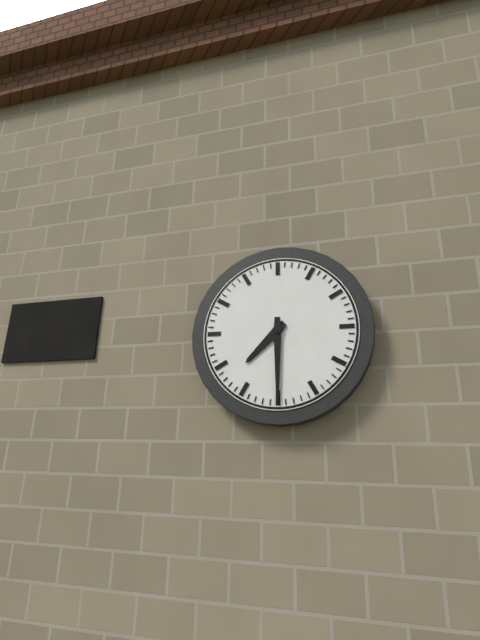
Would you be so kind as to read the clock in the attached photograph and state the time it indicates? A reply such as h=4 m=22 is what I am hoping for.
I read h=7 m=30
